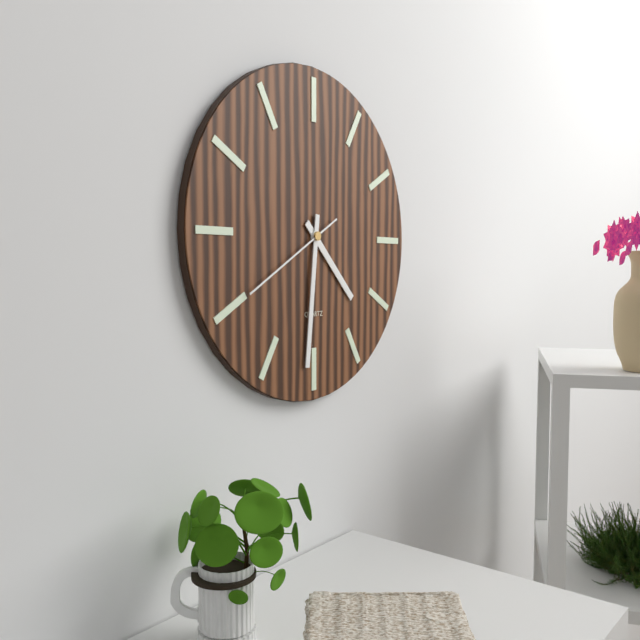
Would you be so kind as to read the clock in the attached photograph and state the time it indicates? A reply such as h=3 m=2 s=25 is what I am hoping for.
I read h=4 m=31 s=40
